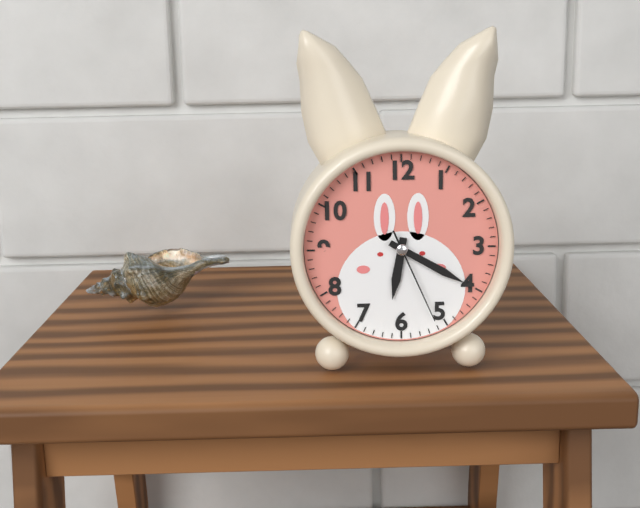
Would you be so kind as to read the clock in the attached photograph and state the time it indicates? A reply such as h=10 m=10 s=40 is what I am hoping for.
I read h=6 m=20 s=26
